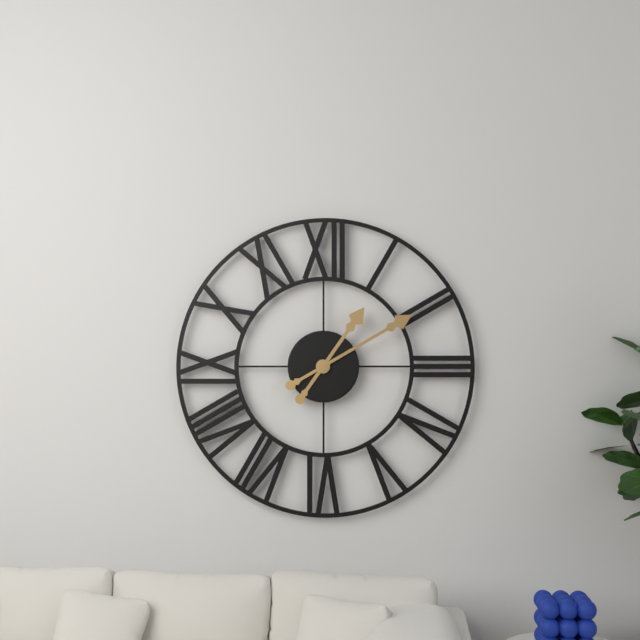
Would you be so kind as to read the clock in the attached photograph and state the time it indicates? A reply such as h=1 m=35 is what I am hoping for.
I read h=1 m=10
